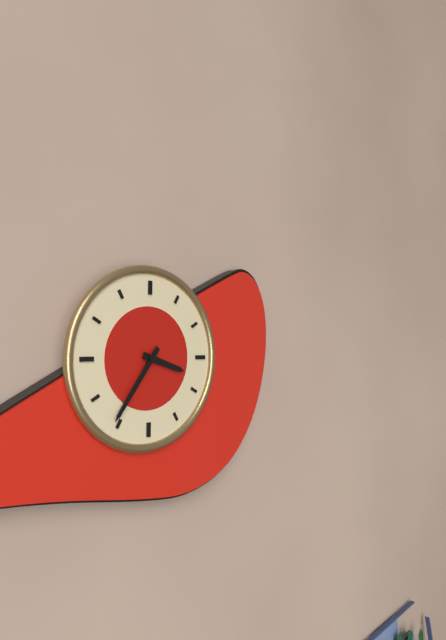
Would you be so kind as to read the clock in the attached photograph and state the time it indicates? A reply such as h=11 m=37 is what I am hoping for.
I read h=3 m=36
